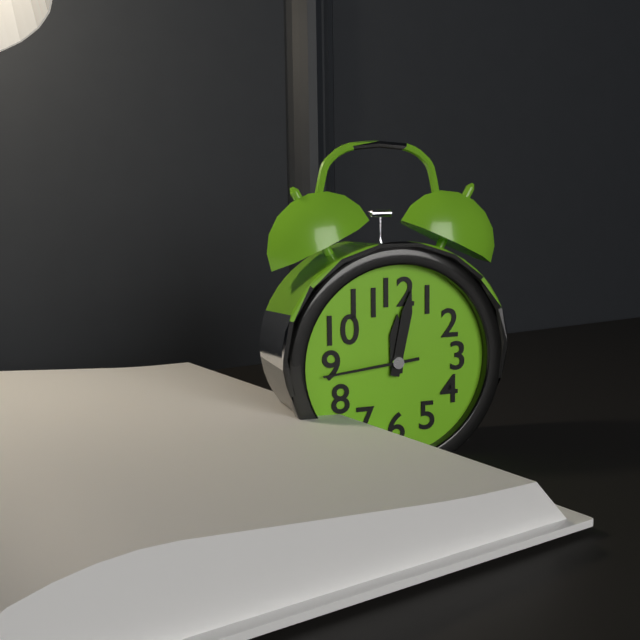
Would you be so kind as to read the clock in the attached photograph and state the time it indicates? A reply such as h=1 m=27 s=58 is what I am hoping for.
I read h=12 m=2 s=44
